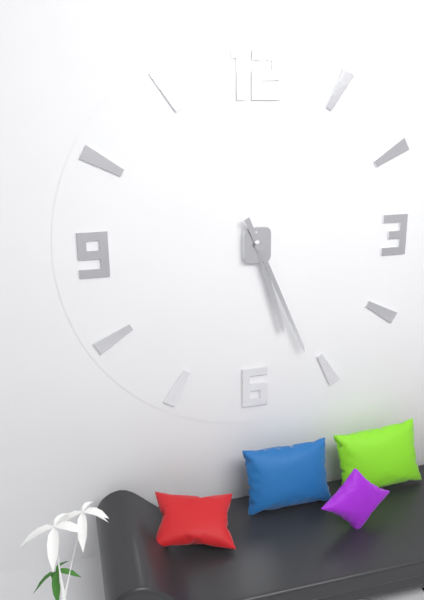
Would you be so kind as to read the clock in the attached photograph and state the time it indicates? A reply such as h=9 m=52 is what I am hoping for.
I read h=5 m=26
